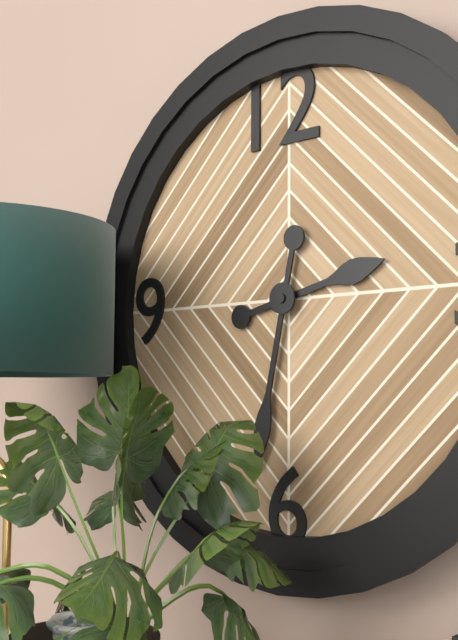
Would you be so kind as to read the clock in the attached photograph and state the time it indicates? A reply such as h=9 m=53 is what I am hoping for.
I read h=2 m=32
